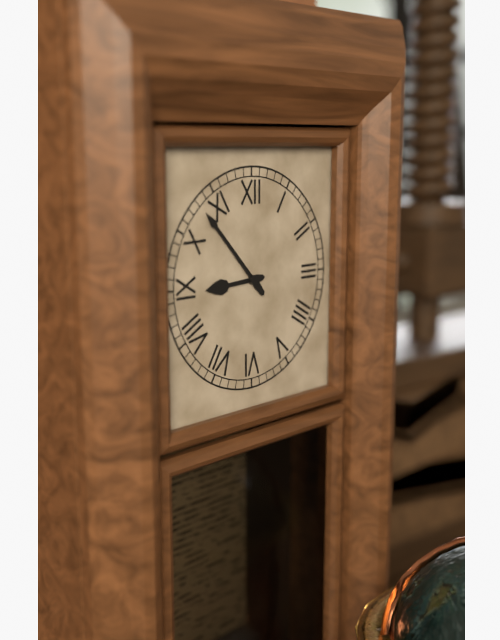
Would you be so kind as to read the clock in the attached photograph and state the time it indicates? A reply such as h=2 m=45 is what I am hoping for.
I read h=8 m=53
